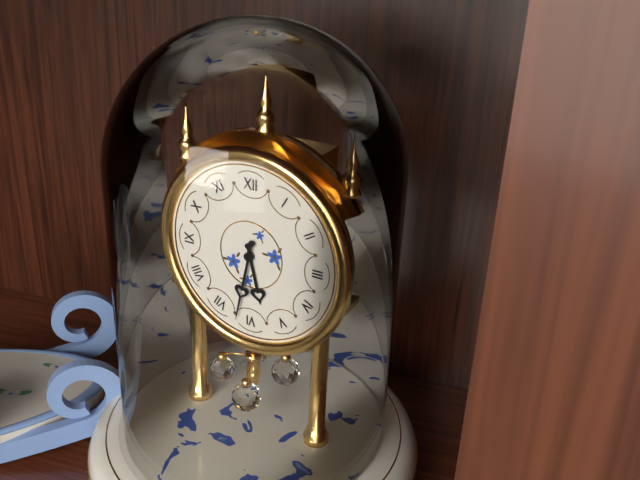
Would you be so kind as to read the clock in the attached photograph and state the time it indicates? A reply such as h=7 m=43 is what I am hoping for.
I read h=5 m=32
